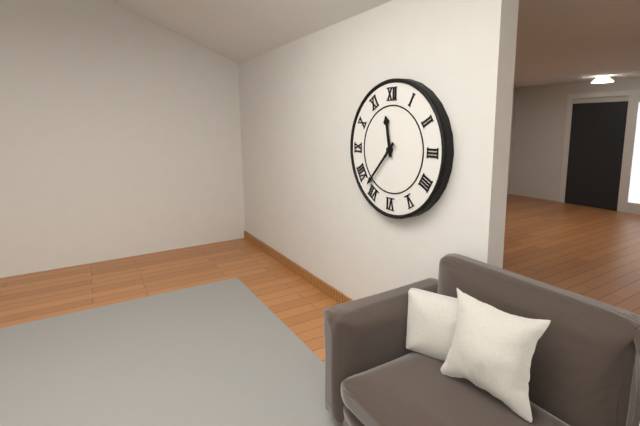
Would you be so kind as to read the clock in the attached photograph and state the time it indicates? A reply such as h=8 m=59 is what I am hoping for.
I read h=11 m=37
